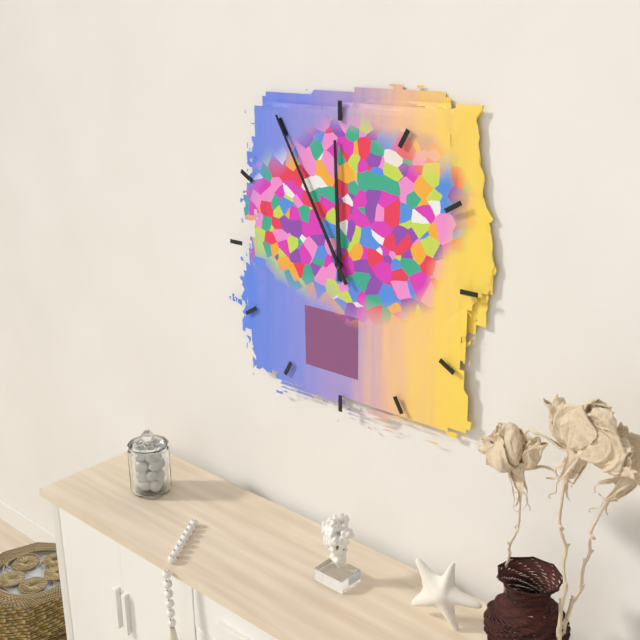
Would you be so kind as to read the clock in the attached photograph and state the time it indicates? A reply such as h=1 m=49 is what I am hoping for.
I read h=11 m=55
